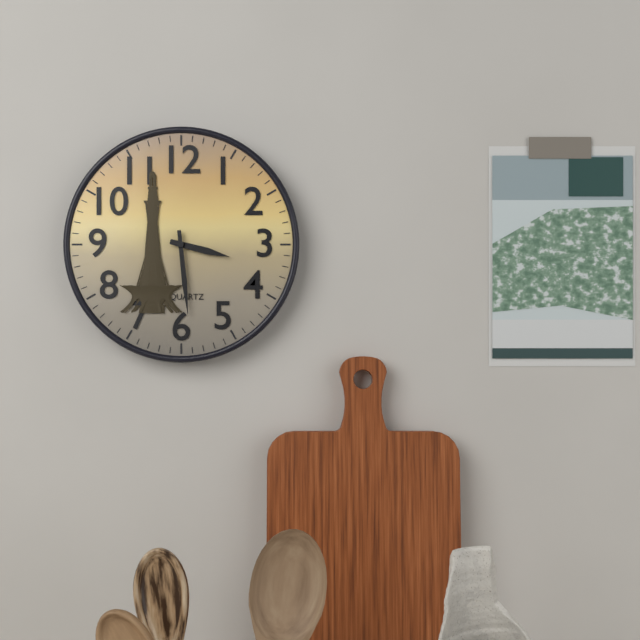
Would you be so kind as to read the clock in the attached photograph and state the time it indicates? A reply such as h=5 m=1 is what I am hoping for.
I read h=3 m=29
